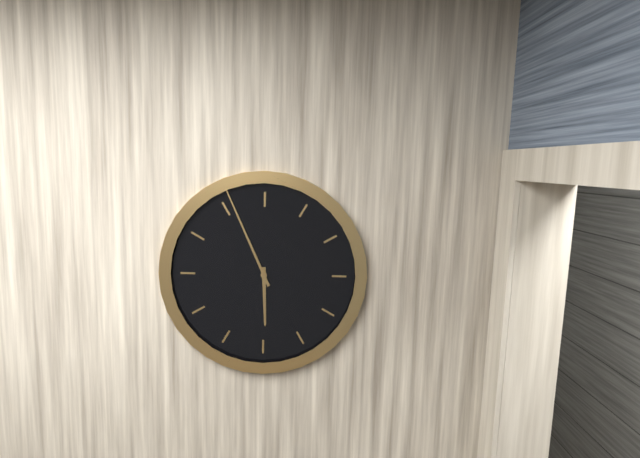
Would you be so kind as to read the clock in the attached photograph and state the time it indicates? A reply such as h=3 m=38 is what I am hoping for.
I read h=5 m=56
